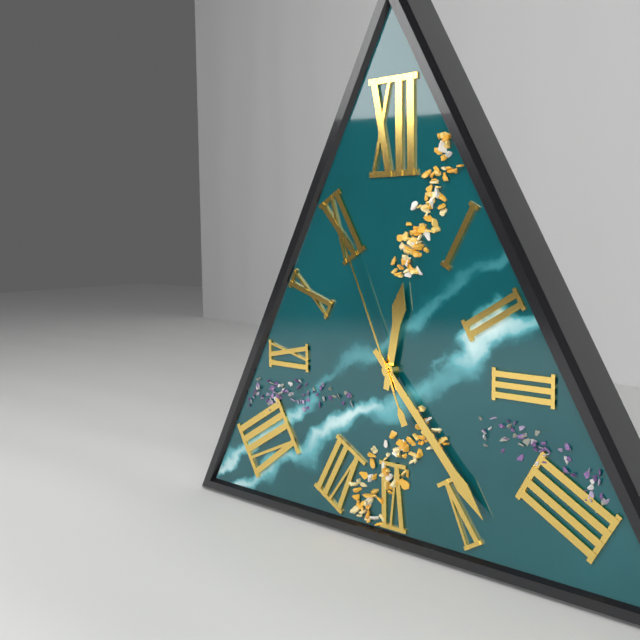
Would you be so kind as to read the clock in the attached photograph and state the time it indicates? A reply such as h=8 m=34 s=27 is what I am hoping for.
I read h=12 m=23 s=56
